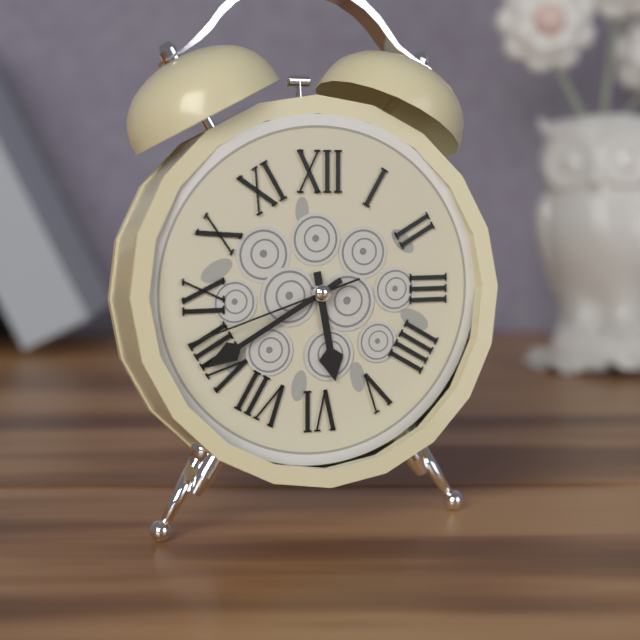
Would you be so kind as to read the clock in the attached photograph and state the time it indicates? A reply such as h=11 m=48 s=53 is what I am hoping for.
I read h=5 m=40 s=42
